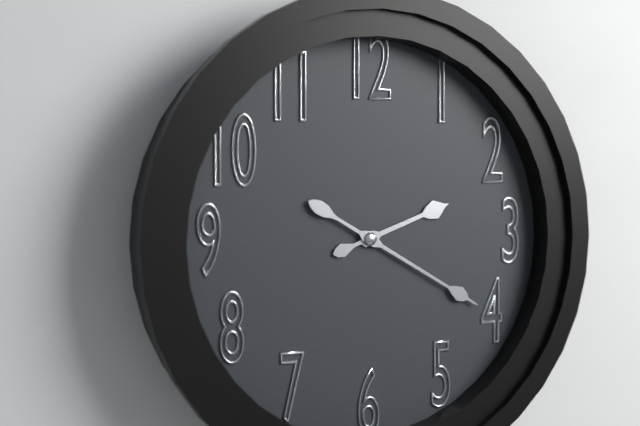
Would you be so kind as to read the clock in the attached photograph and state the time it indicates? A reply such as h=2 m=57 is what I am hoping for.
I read h=2 m=20
